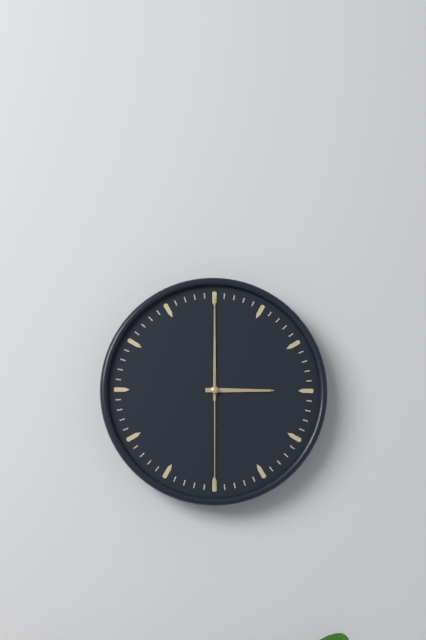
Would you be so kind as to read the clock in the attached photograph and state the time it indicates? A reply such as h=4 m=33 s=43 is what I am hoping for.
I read h=3 m=0 s=30
